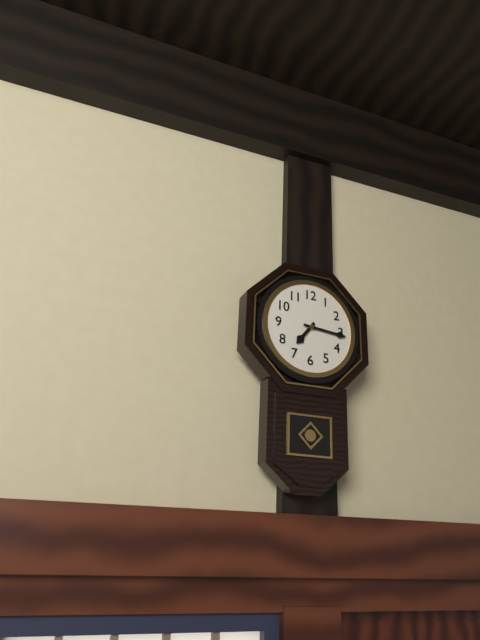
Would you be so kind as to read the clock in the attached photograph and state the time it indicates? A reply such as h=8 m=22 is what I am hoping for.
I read h=7 m=16
